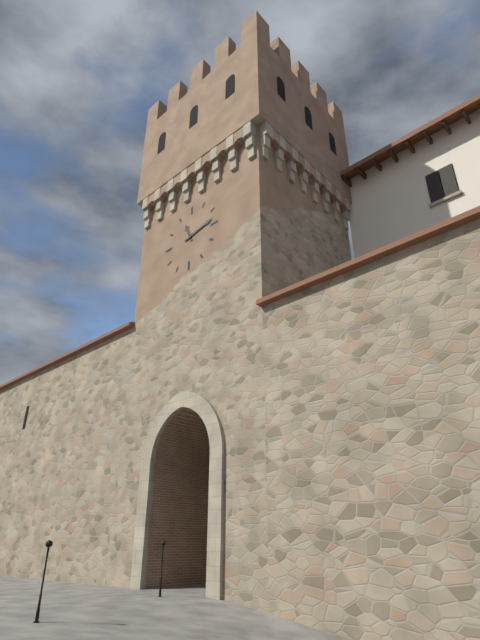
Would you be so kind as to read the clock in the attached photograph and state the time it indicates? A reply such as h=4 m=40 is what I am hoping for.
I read h=11 m=13
